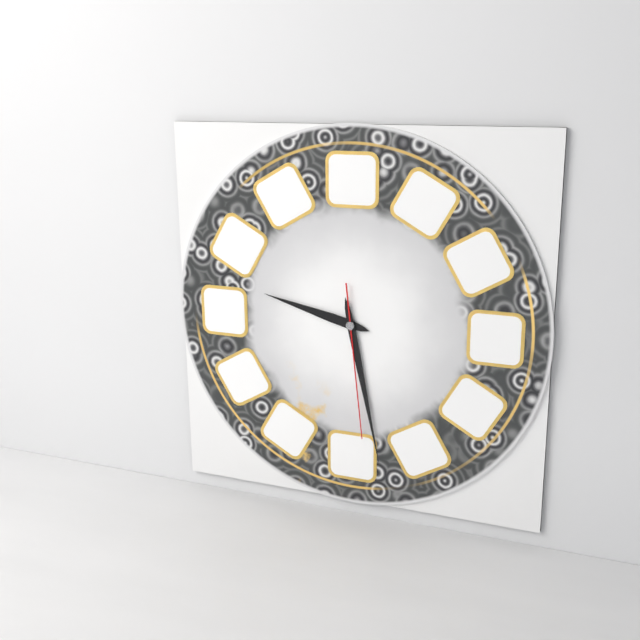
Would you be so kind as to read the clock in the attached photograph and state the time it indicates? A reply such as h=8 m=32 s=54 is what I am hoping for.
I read h=9 m=28 s=29
